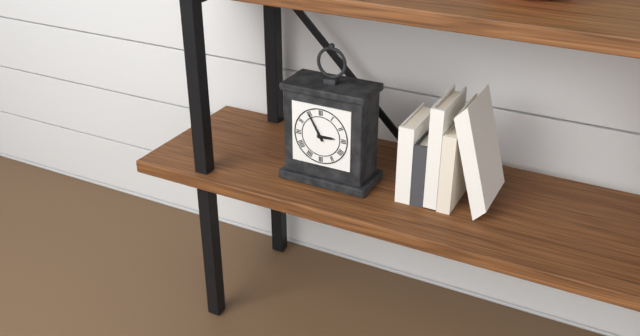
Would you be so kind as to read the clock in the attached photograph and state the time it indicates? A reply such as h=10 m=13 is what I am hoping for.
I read h=2 m=55
